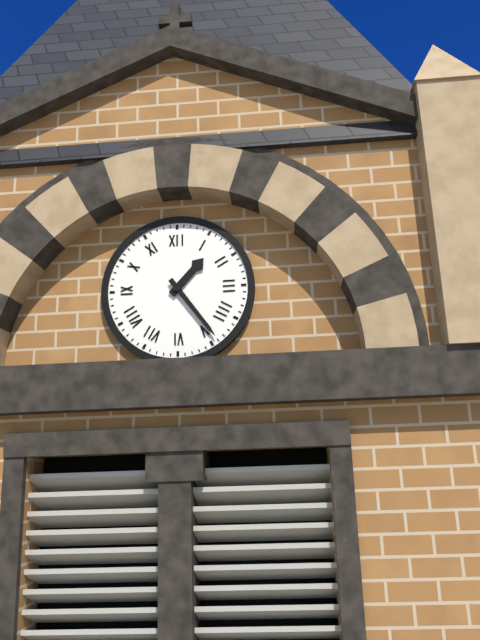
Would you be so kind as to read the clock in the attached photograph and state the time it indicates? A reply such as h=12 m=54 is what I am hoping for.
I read h=1 m=24
